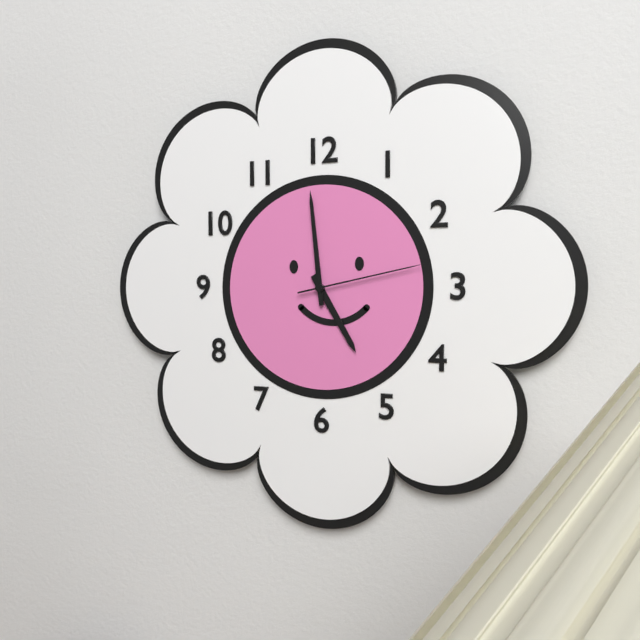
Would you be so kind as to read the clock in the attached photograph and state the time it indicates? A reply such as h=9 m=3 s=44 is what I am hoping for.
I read h=4 m=59 s=13
